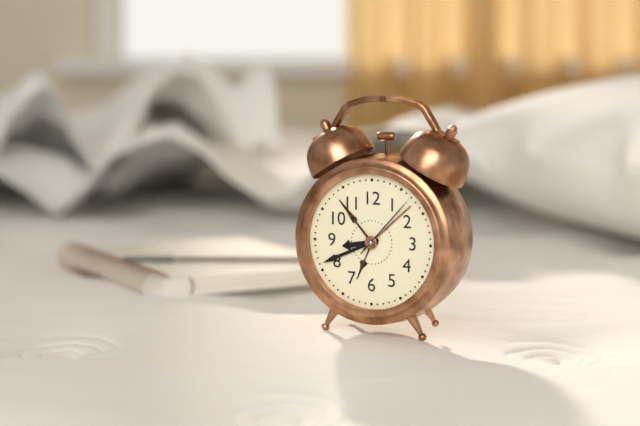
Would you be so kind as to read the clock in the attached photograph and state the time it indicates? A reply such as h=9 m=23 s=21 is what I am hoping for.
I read h=8 m=41 s=7
